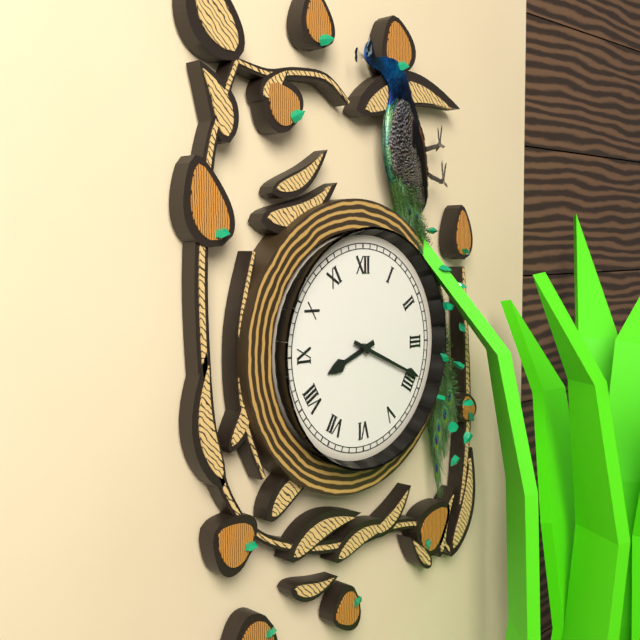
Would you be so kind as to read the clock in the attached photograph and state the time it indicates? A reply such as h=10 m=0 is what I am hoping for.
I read h=8 m=19
